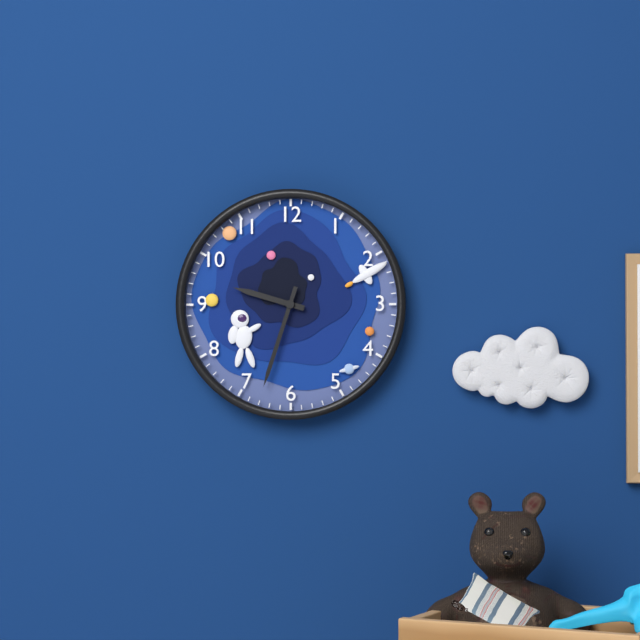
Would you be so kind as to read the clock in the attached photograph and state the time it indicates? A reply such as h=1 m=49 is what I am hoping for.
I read h=9 m=33
